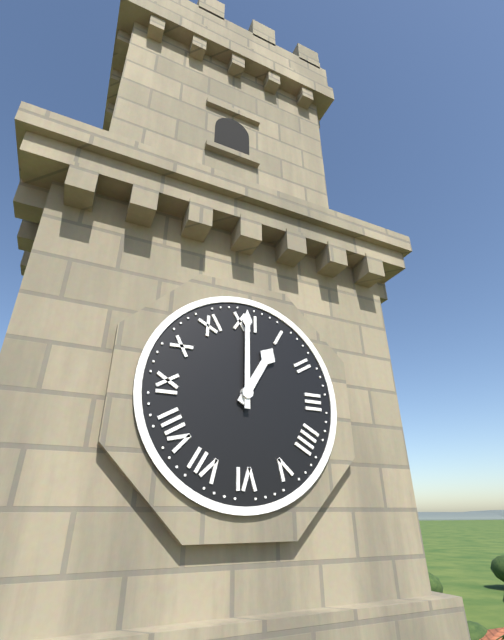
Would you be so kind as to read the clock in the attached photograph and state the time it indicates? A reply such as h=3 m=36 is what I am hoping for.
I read h=1 m=0
